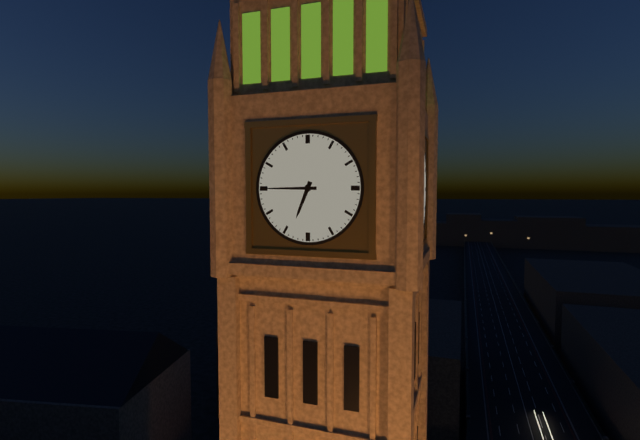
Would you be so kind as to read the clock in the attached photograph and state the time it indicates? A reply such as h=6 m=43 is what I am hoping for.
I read h=6 m=45
